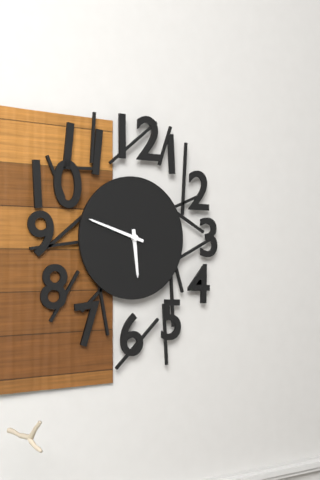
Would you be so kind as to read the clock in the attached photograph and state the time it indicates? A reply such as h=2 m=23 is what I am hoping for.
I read h=5 m=48
